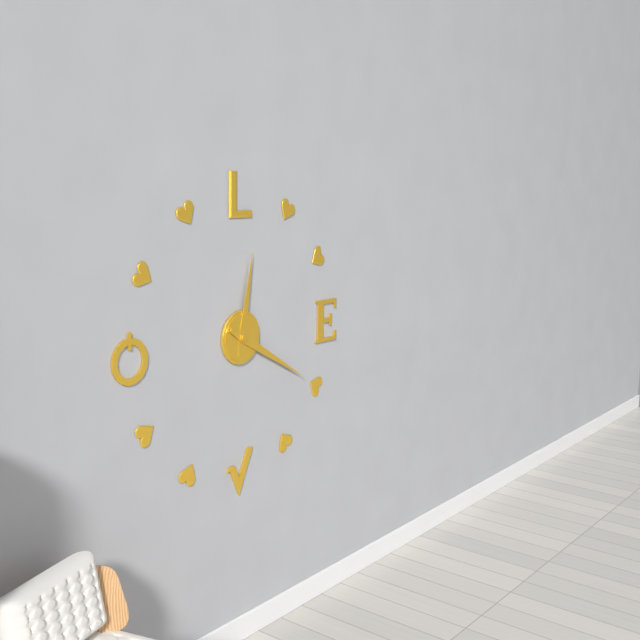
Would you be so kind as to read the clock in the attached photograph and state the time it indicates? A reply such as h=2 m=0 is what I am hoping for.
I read h=12 m=20
